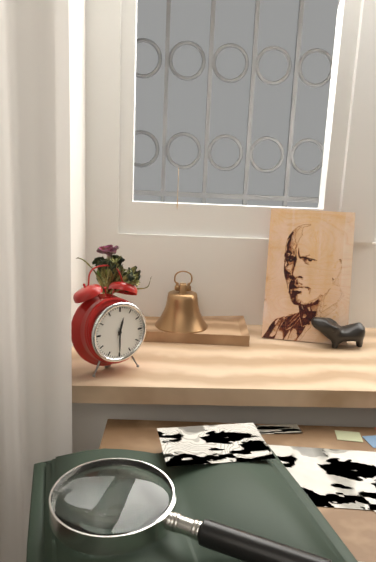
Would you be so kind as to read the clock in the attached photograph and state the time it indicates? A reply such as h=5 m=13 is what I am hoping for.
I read h=12 m=30
